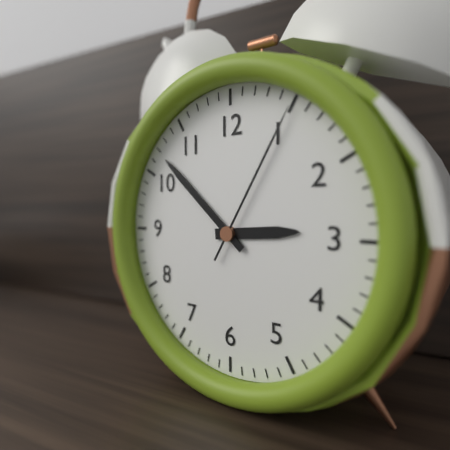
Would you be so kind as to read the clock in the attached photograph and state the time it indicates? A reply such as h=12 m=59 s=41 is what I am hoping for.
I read h=2 m=52 s=5
